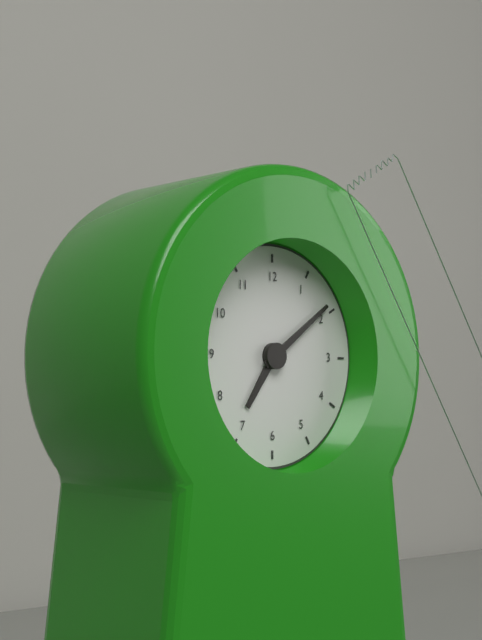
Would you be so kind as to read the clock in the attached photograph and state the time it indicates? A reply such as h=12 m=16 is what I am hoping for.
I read h=7 m=9
